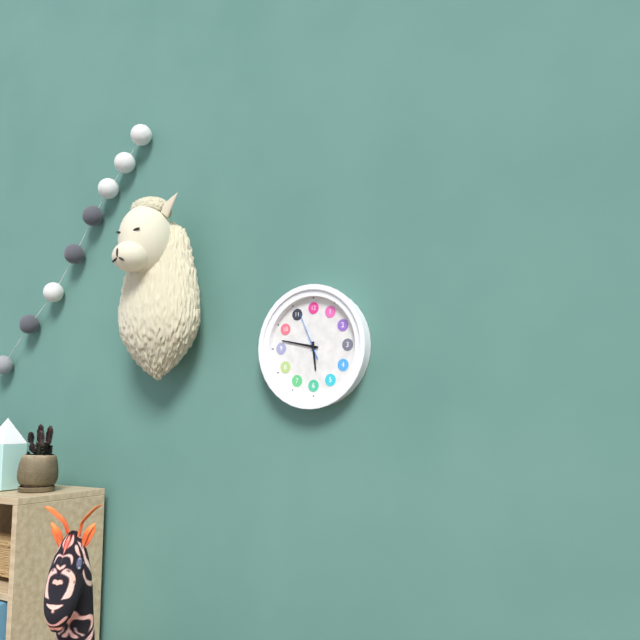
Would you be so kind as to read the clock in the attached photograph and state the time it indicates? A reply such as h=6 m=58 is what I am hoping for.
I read h=5 m=47
